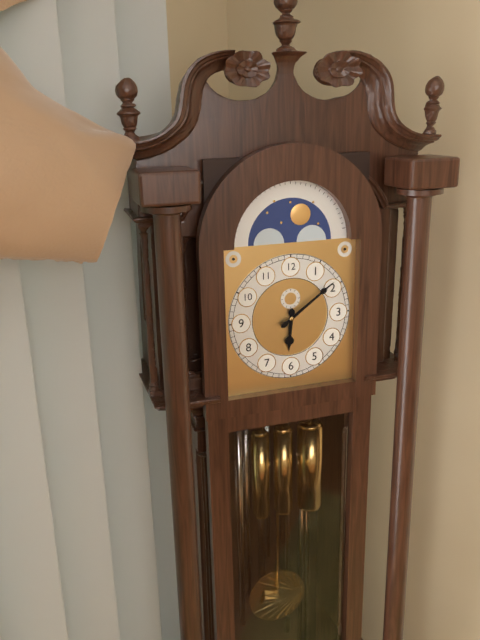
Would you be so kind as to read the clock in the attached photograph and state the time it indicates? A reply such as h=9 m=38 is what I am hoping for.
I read h=6 m=9
